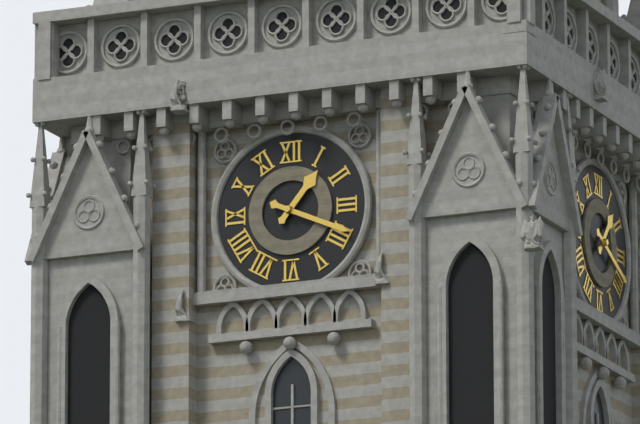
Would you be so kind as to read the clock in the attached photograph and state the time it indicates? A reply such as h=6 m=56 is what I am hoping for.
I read h=1 m=19
